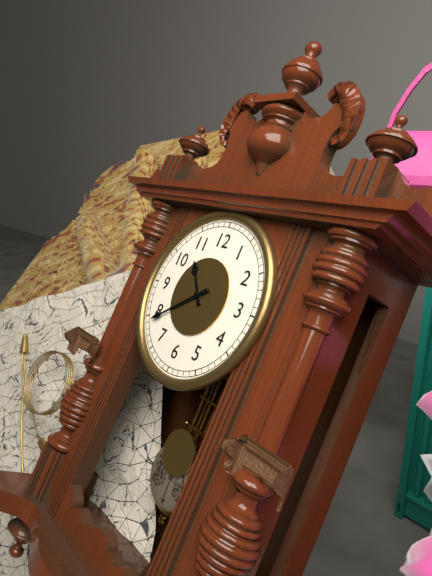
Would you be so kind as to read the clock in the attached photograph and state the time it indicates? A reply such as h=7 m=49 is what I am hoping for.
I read h=10 m=39
